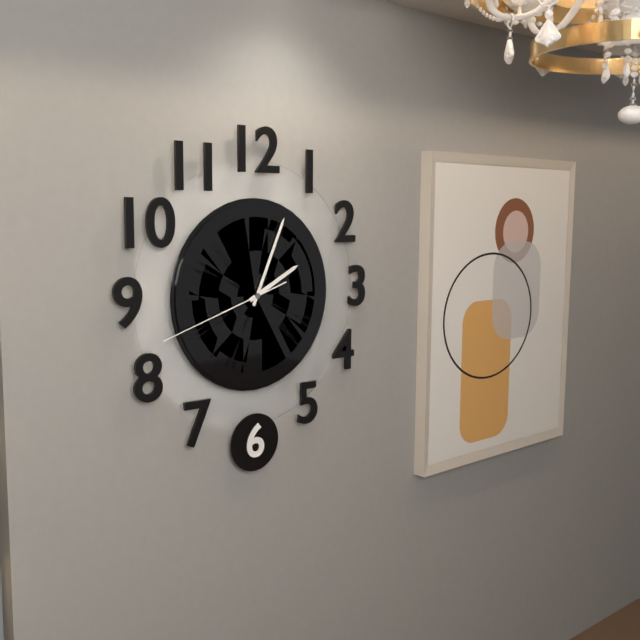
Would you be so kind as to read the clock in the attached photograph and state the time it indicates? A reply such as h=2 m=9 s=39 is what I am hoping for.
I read h=2 m=4 s=42
